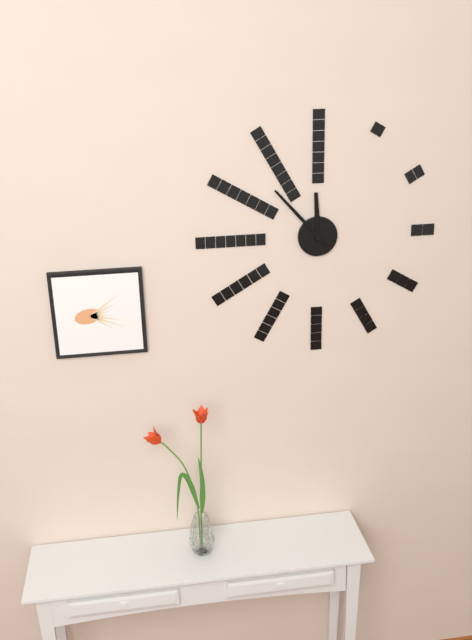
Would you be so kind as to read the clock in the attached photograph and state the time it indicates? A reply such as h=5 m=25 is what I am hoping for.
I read h=11 m=53
